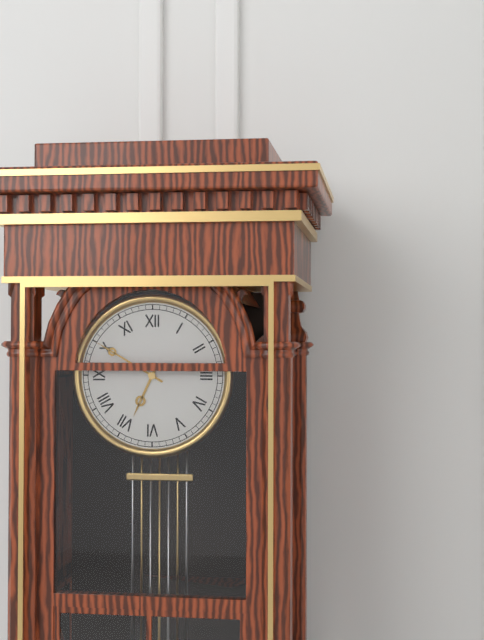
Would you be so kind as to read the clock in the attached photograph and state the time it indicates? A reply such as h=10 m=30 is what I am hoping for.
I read h=6 m=50
